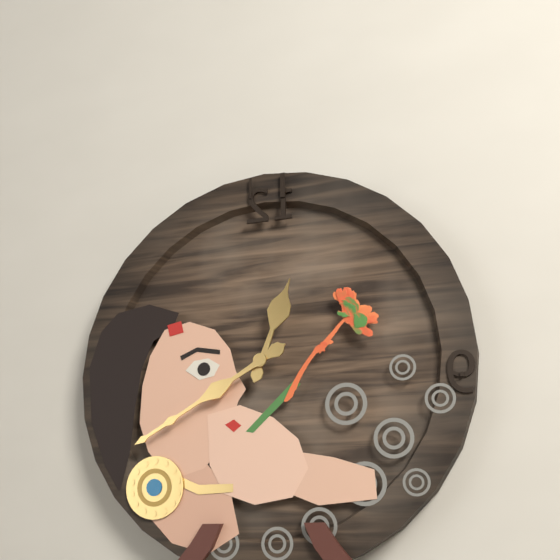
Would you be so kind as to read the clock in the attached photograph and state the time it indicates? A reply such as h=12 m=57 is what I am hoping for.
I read h=12 m=40
